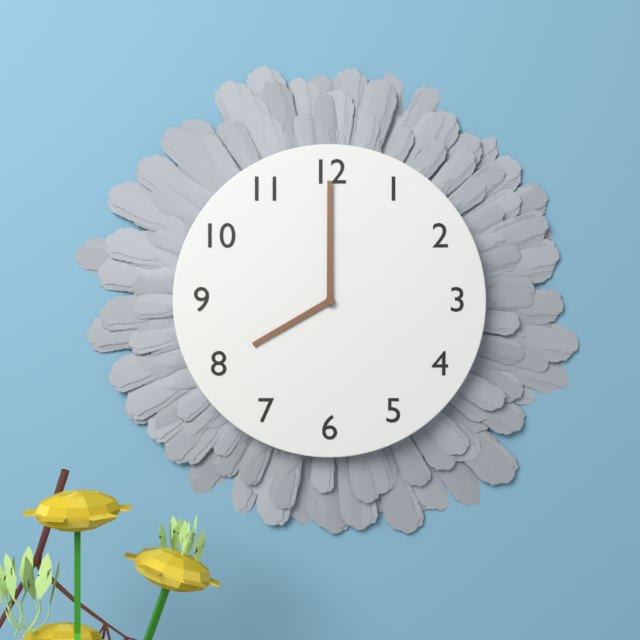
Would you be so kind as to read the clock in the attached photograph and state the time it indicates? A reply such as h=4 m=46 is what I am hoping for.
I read h=8 m=0
